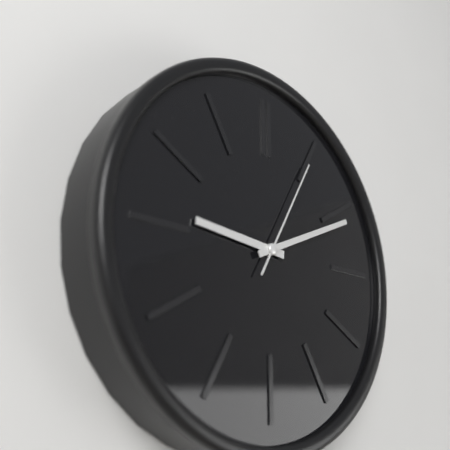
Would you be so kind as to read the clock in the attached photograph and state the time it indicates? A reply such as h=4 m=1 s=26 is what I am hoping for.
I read h=9 m=11 s=5
